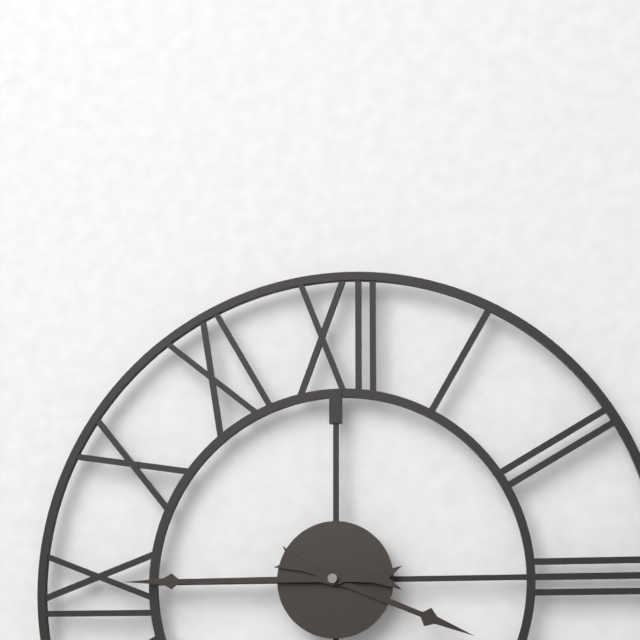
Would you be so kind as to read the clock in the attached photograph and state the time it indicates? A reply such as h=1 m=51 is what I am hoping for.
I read h=3 m=45
